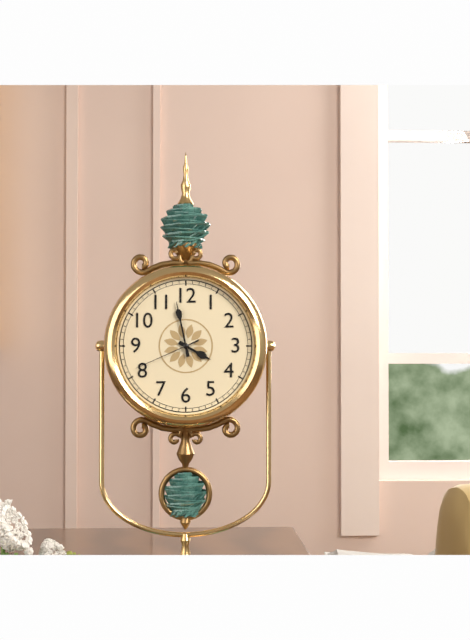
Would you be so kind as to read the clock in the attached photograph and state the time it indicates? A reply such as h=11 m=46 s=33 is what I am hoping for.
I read h=3 m=58 s=41
